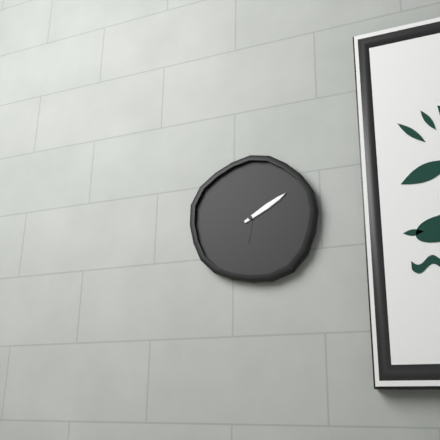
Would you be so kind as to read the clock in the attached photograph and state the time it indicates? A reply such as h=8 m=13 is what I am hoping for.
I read h=6 m=10
